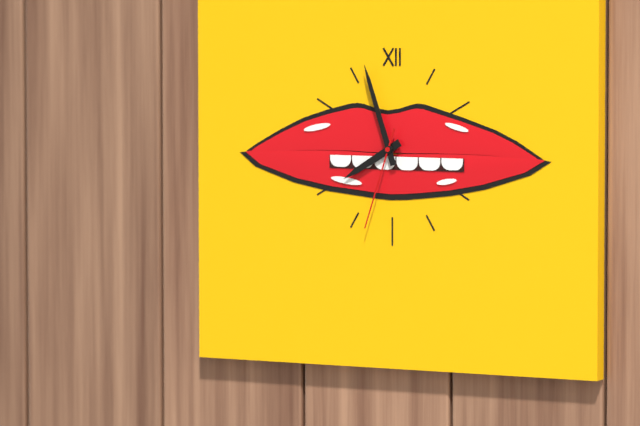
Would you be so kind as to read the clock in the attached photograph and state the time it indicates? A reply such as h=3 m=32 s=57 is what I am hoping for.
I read h=7 m=57 s=33
